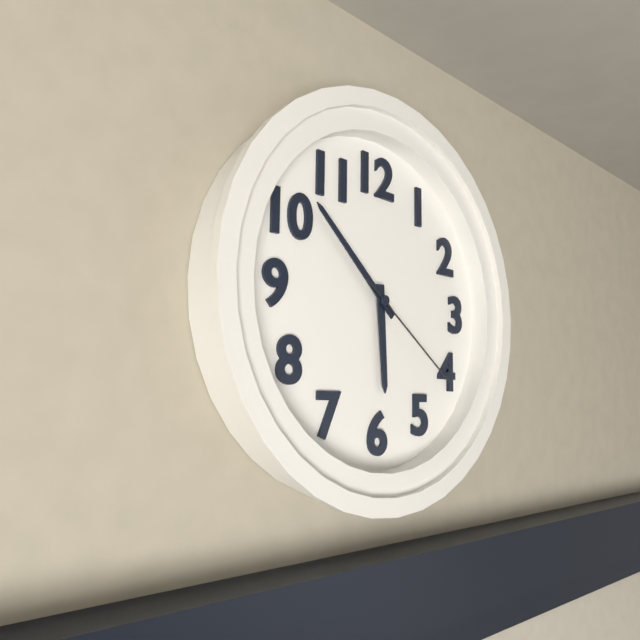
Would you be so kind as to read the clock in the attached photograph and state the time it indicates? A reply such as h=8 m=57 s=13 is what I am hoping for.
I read h=5 m=52 s=21
